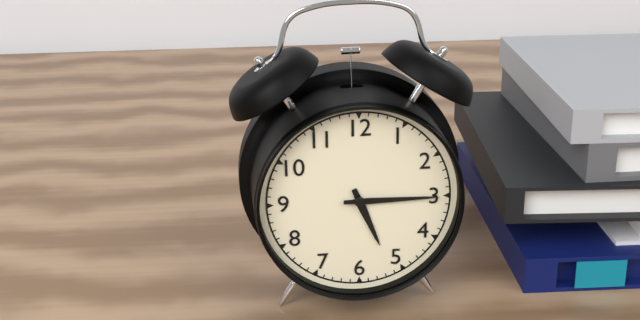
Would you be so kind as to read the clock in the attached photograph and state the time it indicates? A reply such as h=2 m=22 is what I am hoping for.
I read h=5 m=15
